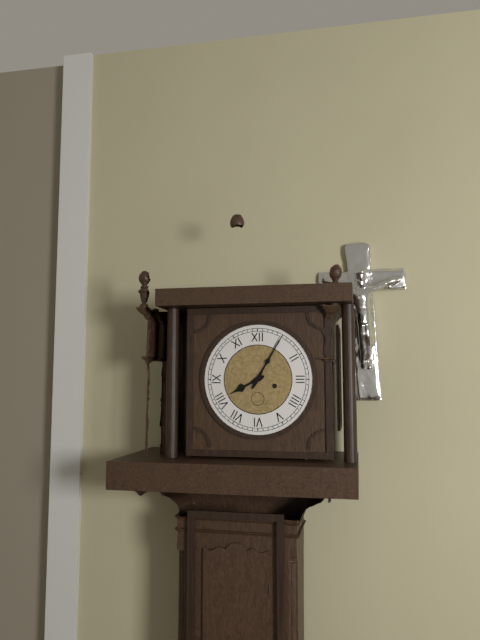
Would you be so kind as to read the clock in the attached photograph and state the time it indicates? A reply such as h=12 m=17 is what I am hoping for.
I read h=8 m=5
